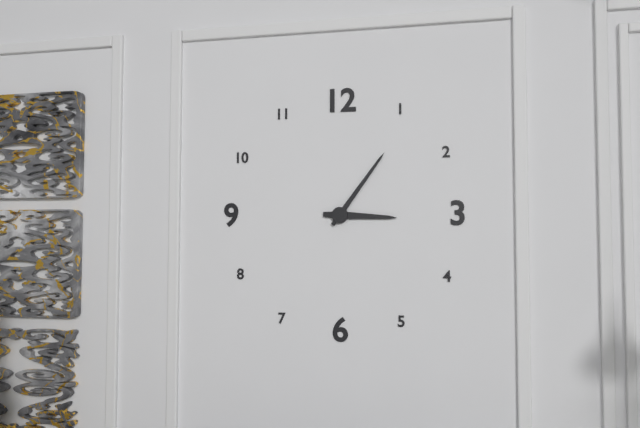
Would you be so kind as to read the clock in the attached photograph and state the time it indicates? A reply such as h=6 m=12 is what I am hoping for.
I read h=3 m=6
